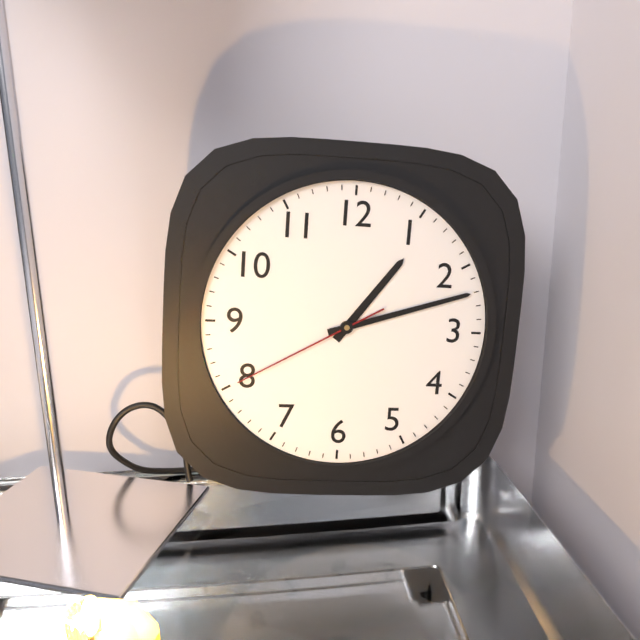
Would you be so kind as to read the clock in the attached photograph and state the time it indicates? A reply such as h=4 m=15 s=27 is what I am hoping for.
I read h=1 m=12 s=40
